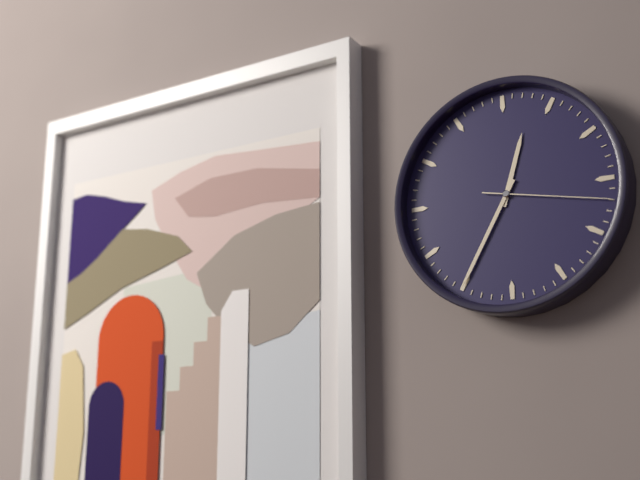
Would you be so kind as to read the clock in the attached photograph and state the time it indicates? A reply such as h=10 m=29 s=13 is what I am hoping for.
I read h=12 m=35 s=17
